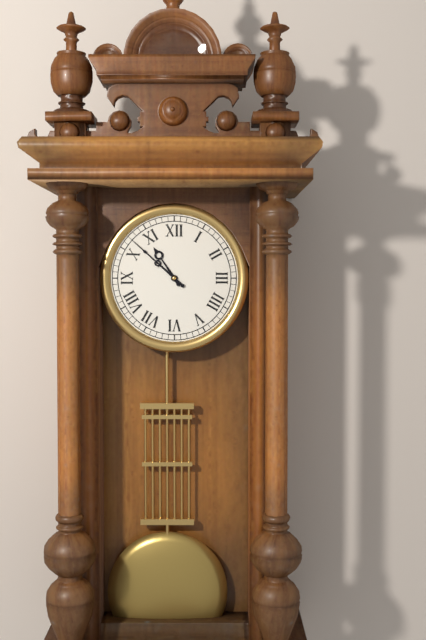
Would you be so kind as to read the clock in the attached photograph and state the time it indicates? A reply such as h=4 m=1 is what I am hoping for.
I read h=10 m=52
